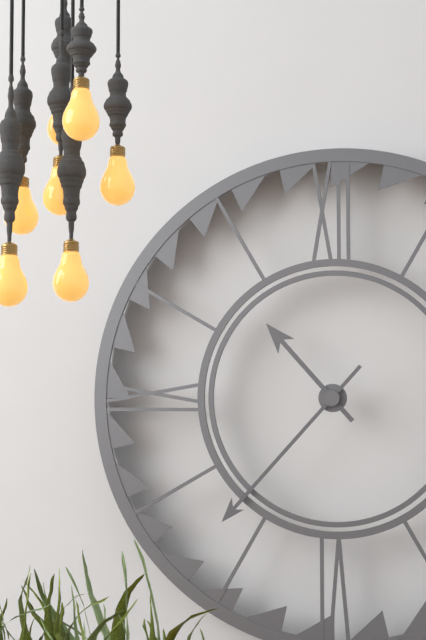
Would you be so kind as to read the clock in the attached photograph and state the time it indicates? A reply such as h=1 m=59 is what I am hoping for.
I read h=10 m=37
